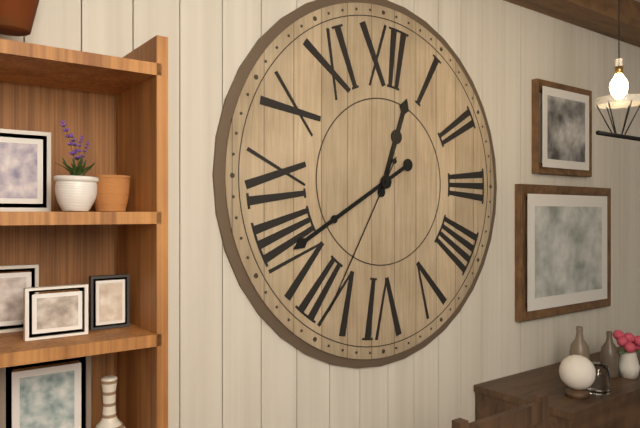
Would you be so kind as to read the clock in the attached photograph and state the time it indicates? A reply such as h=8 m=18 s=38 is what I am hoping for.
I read h=12 m=40 s=35
